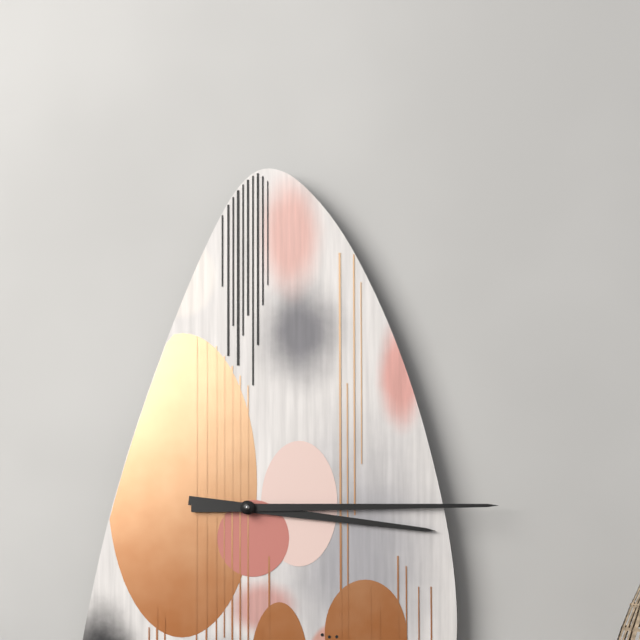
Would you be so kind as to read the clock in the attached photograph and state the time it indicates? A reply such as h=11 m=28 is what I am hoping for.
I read h=3 m=15
